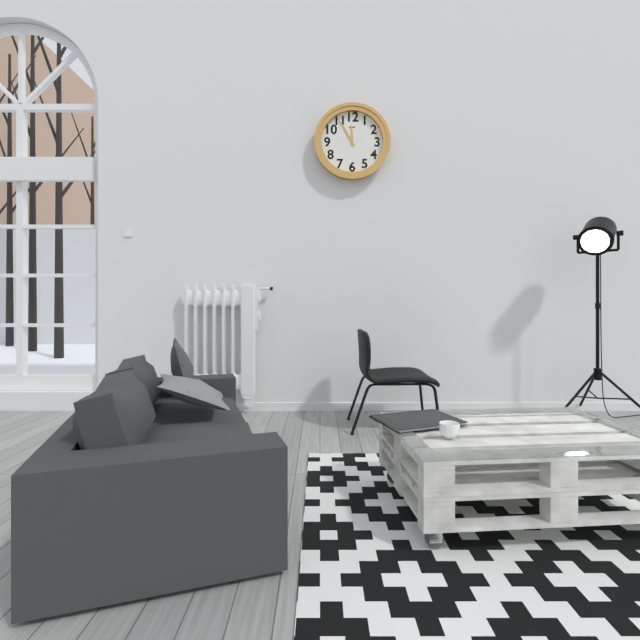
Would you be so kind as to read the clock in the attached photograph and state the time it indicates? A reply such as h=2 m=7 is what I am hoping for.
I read h=11 m=55
